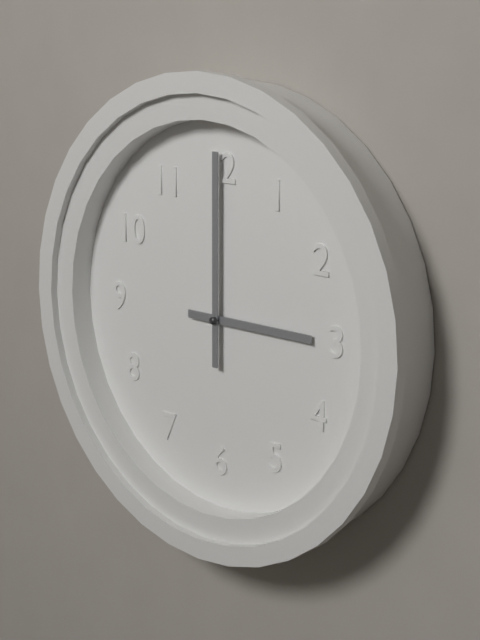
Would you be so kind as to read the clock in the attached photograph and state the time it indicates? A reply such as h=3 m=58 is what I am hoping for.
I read h=3 m=0
